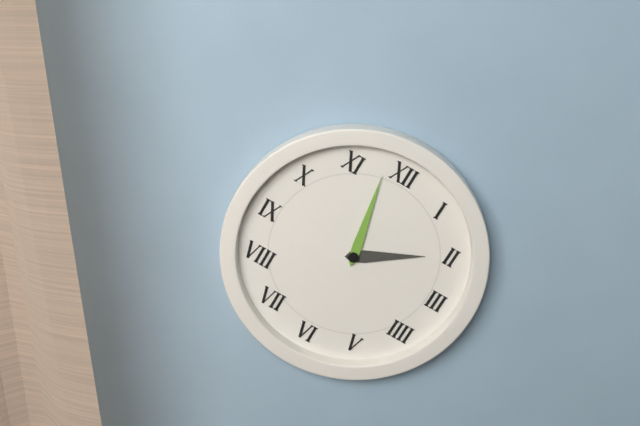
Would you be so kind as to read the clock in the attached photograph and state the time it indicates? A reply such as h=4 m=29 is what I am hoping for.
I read h=1 m=58
